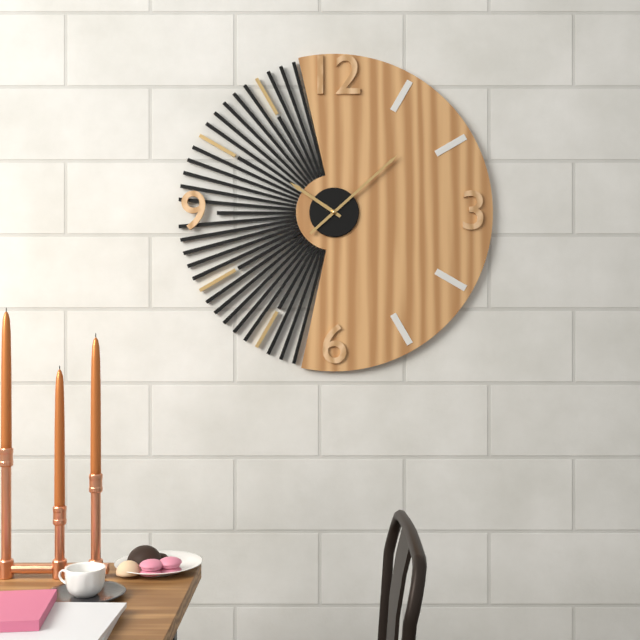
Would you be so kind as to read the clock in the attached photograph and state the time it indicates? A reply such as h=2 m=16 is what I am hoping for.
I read h=10 m=8
